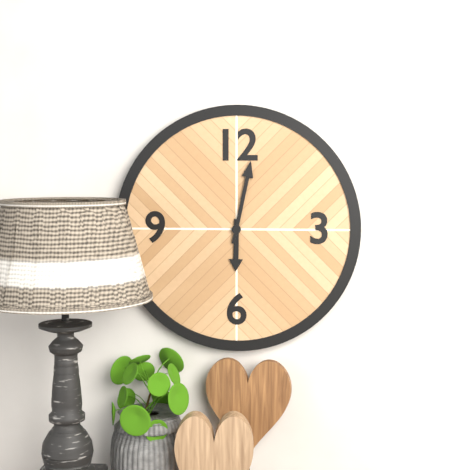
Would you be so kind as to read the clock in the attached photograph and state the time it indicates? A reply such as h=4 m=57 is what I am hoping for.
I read h=6 m=2
